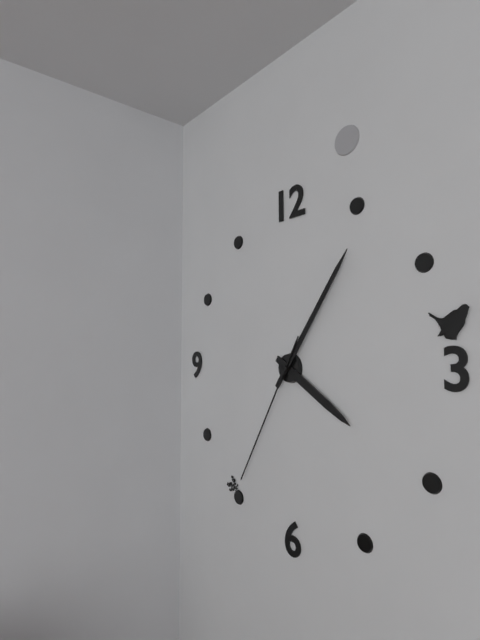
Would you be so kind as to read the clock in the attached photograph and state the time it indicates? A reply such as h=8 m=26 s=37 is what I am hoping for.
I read h=4 m=6 s=35
